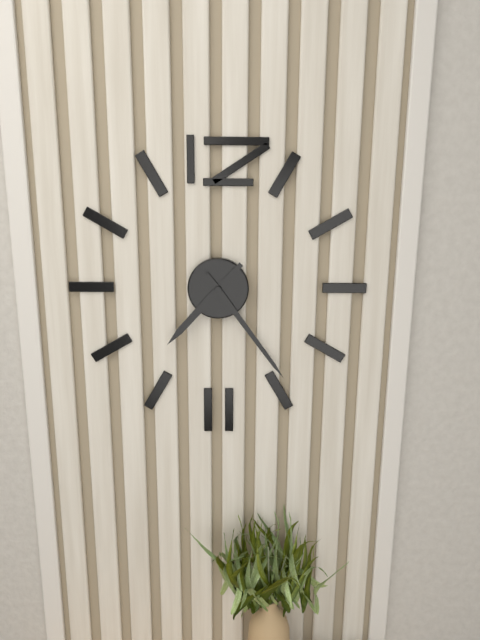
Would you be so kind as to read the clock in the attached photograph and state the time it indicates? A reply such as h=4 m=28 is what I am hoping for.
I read h=7 m=24
